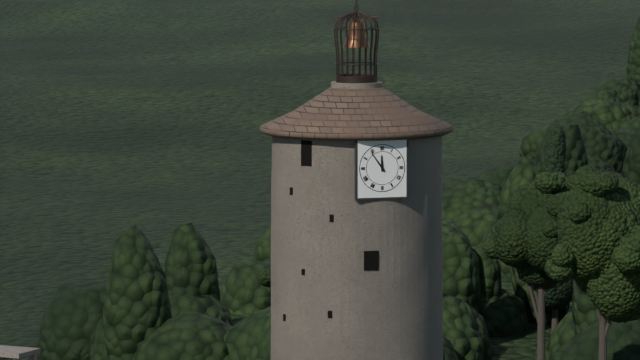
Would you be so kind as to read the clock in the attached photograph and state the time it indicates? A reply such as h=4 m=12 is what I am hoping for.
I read h=11 m=54
